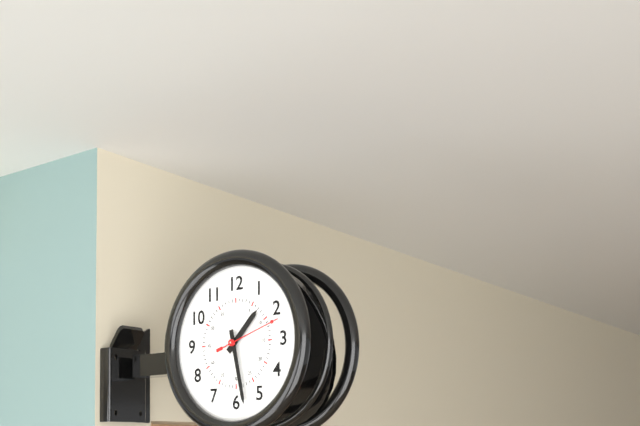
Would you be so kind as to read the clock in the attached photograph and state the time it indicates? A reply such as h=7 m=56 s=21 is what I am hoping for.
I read h=1 m=28 s=12
